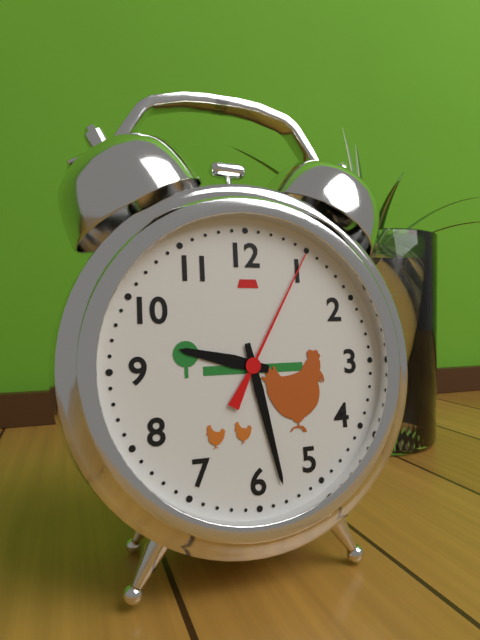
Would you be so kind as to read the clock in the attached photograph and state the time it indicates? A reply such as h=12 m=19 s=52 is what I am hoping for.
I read h=9 m=28 s=5
